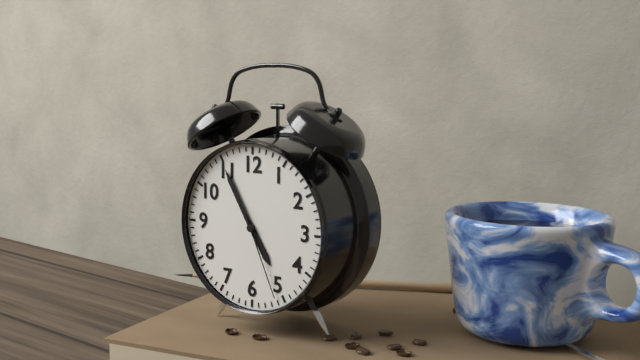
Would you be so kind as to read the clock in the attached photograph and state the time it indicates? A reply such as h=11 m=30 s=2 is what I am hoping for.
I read h=4 m=55 s=26
